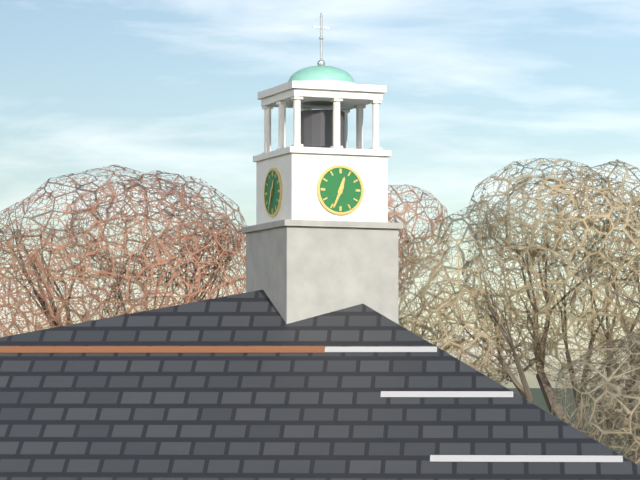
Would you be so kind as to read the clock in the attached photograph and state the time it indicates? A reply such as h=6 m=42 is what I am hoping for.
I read h=12 m=34
